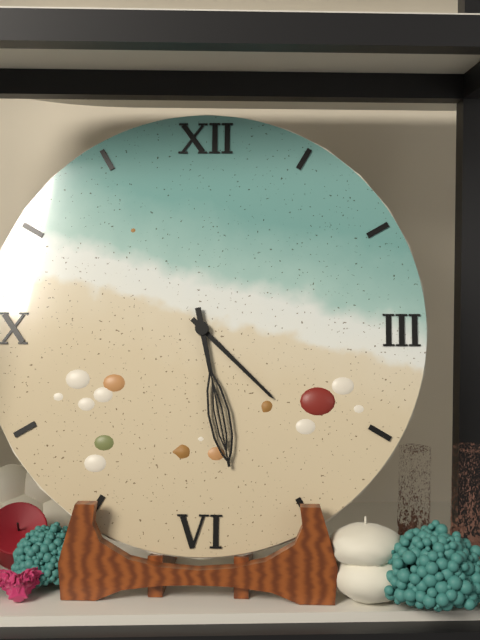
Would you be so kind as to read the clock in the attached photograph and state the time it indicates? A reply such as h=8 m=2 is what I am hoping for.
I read h=4 m=28
